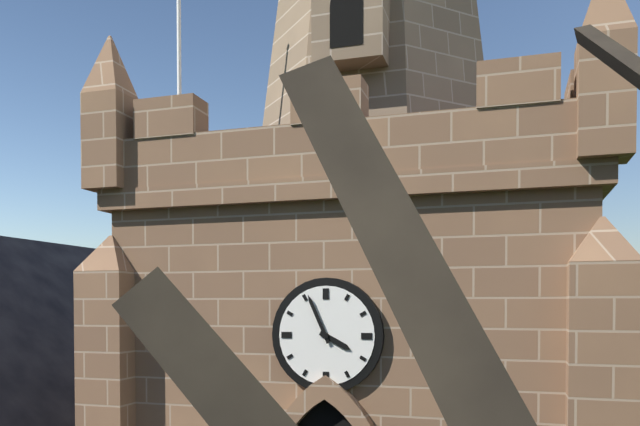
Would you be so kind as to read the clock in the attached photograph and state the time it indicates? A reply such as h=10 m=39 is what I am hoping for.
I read h=3 m=56
